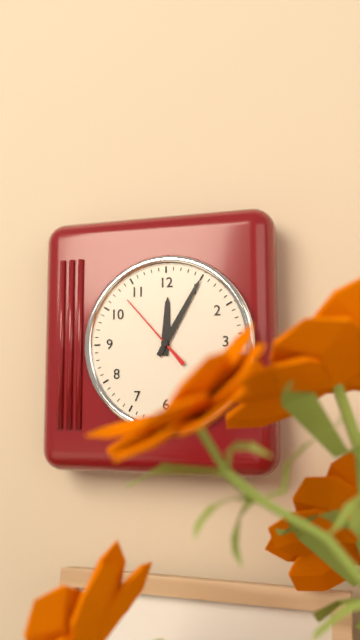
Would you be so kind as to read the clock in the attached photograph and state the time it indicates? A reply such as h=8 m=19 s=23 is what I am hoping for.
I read h=12 m=5 s=53
